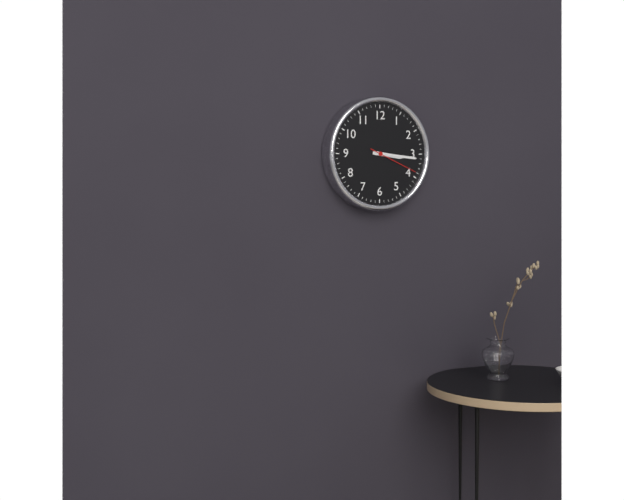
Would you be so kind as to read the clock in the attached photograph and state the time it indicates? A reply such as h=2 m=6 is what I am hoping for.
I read h=3 m=16
